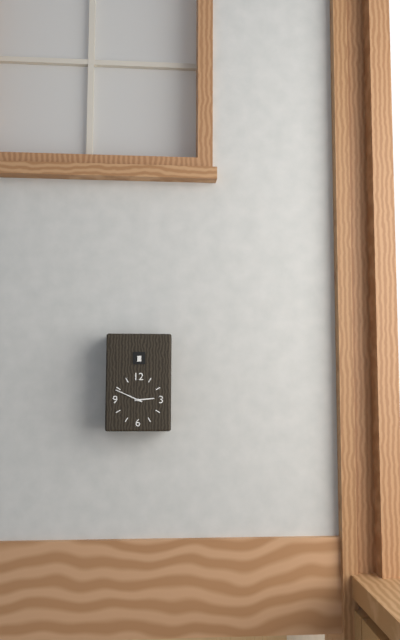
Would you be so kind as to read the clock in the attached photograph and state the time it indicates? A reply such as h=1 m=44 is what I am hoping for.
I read h=2 m=49
